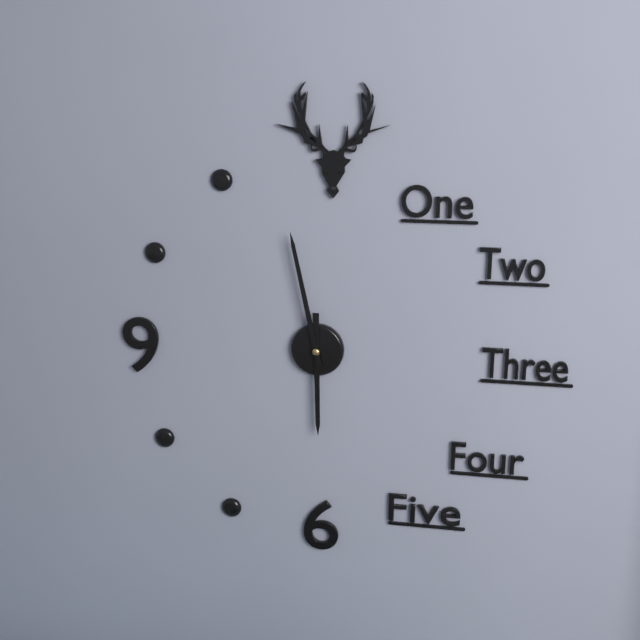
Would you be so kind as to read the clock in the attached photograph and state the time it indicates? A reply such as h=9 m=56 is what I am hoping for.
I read h=5 m=58
